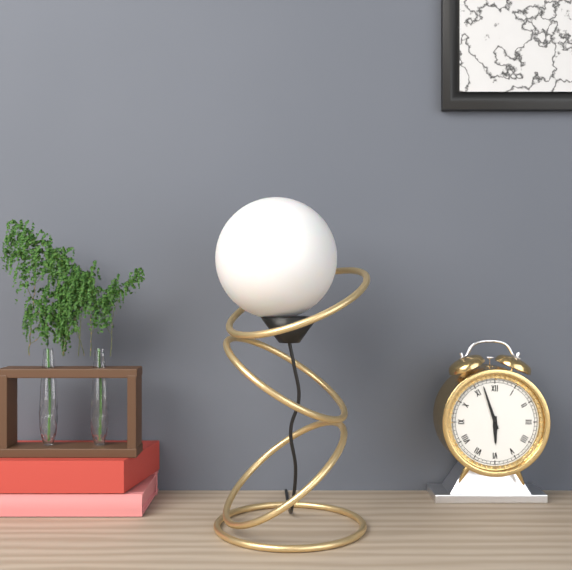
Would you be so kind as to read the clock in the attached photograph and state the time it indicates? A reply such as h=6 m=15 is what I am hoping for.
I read h=5 m=57
